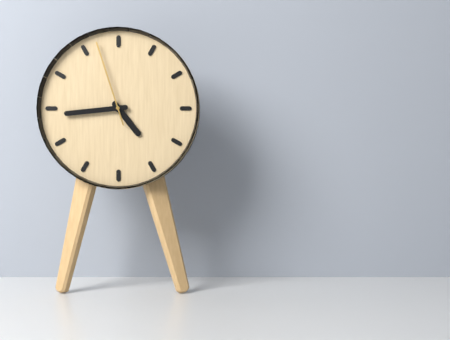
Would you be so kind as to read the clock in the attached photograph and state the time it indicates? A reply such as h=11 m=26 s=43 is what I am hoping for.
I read h=4 m=44 s=57
